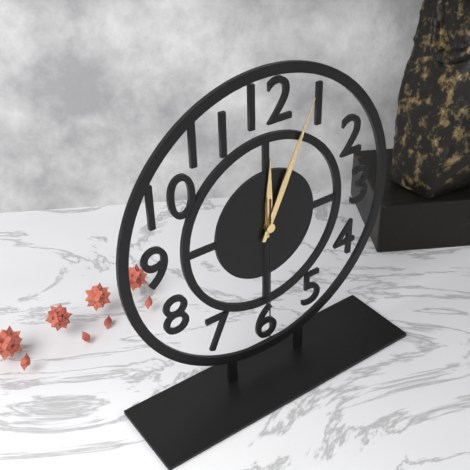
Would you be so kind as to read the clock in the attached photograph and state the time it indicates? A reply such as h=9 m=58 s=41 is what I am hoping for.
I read h=12 m=4 s=30
